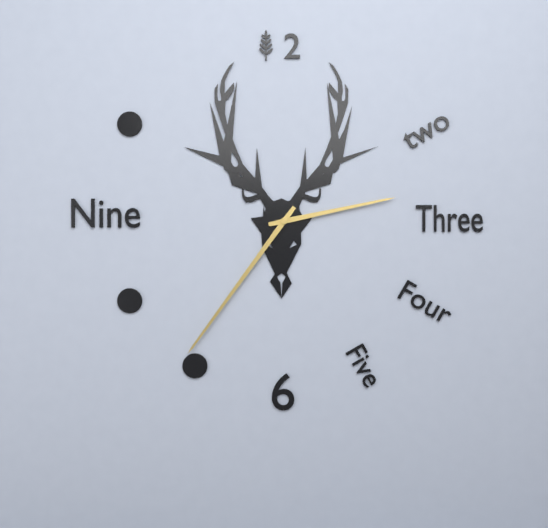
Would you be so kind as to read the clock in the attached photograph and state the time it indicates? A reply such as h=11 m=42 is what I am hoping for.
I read h=2 m=36
